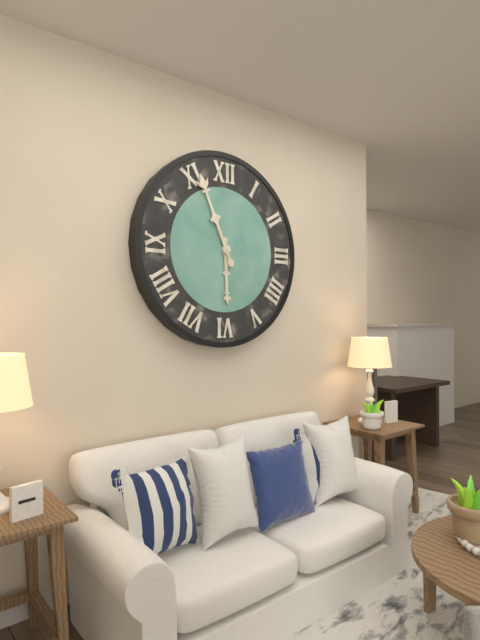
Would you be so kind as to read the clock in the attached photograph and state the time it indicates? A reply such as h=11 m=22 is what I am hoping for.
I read h=5 m=56
